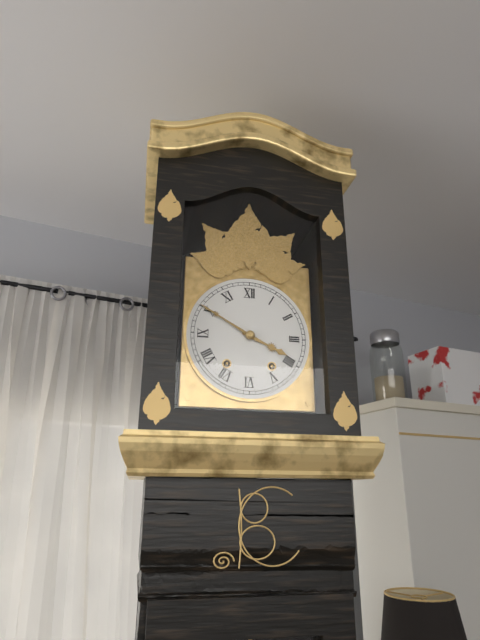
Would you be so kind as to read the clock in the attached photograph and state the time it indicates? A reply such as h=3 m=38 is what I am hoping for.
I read h=3 m=50
